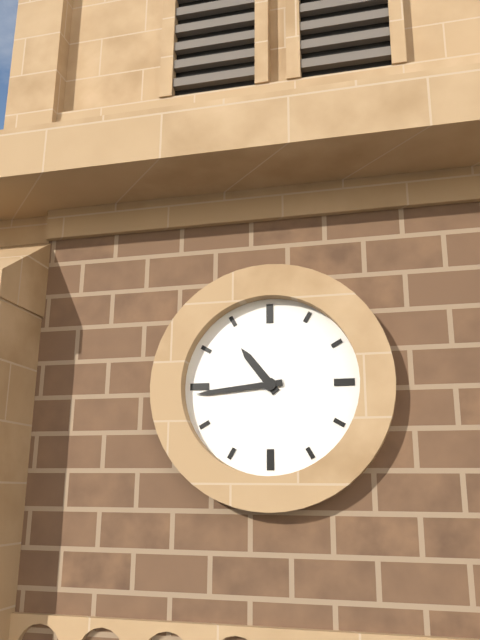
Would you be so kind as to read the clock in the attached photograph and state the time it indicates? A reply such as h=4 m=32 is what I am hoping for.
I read h=10 m=44
